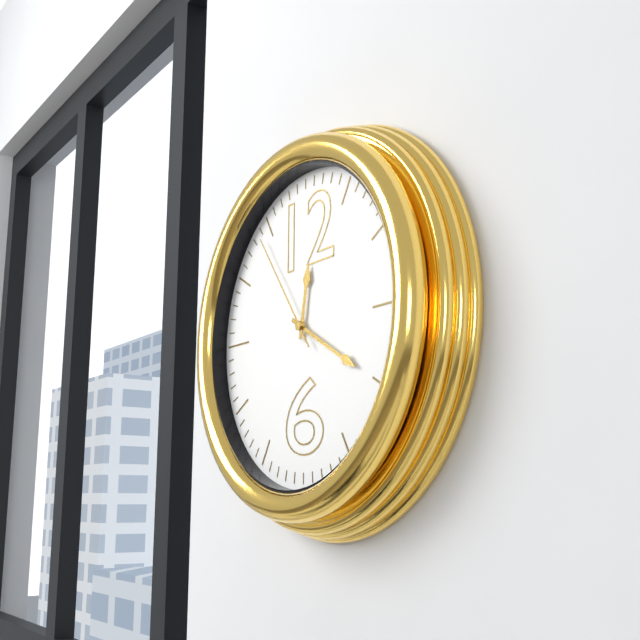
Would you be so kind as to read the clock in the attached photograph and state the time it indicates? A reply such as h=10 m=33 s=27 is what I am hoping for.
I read h=12 m=20 s=54
